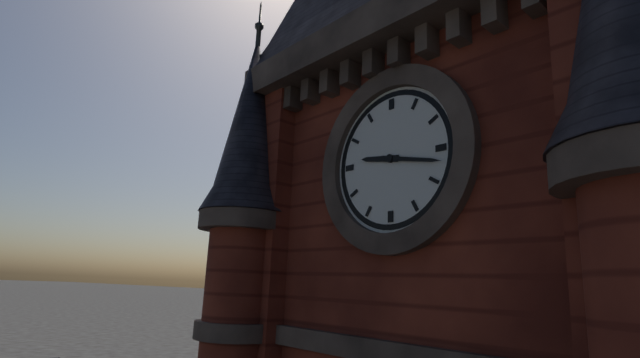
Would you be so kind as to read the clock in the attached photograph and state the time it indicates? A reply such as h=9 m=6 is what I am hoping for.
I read h=9 m=17
